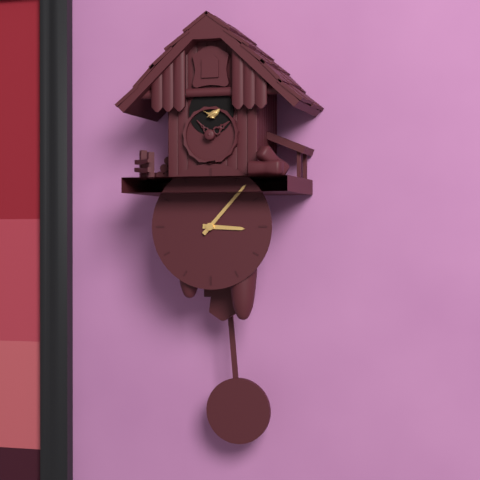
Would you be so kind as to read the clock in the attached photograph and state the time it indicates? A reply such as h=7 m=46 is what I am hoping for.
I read h=3 m=7
